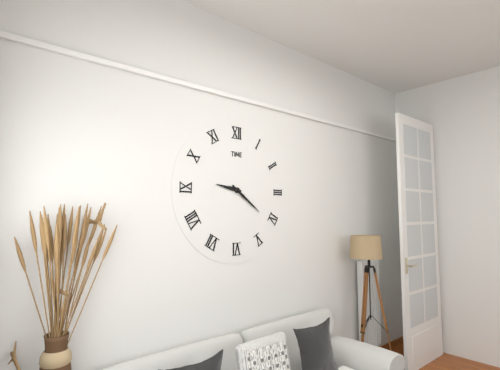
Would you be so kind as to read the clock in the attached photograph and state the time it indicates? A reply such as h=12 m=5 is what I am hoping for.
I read h=9 m=21
